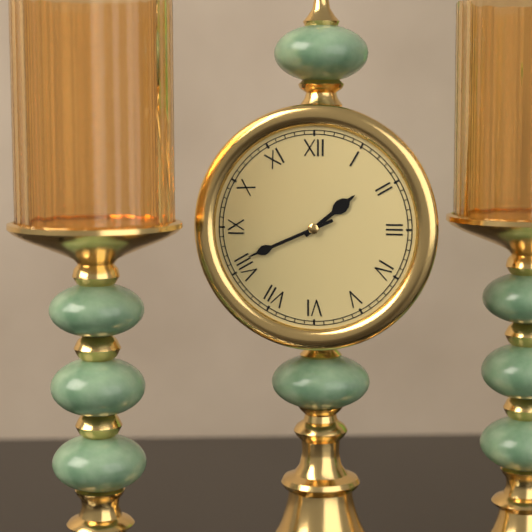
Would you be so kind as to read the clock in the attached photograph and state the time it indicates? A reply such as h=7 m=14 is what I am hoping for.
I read h=1 m=41
